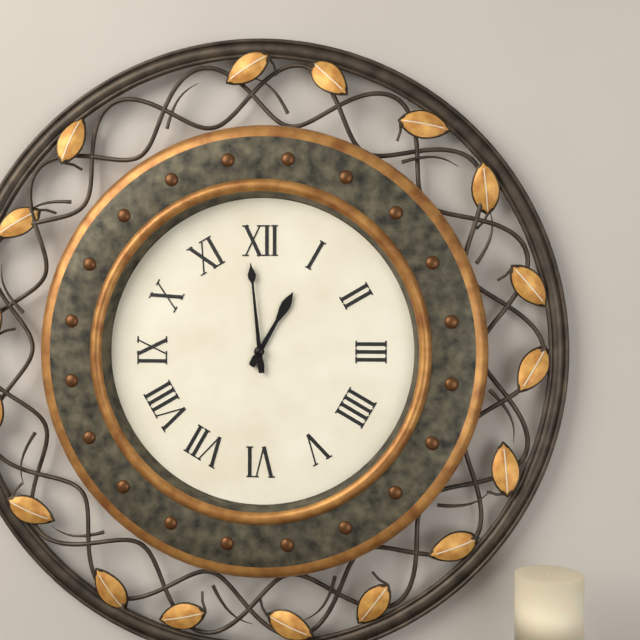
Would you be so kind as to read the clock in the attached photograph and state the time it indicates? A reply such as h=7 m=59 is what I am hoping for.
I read h=12 m=59
